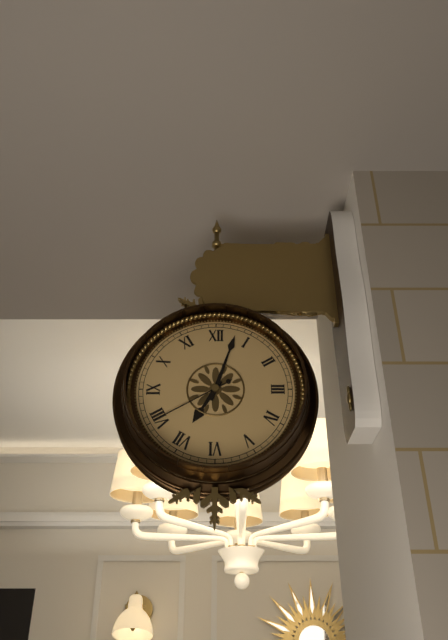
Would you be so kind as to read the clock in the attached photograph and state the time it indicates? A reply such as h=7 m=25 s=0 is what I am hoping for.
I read h=7 m=3 s=40
